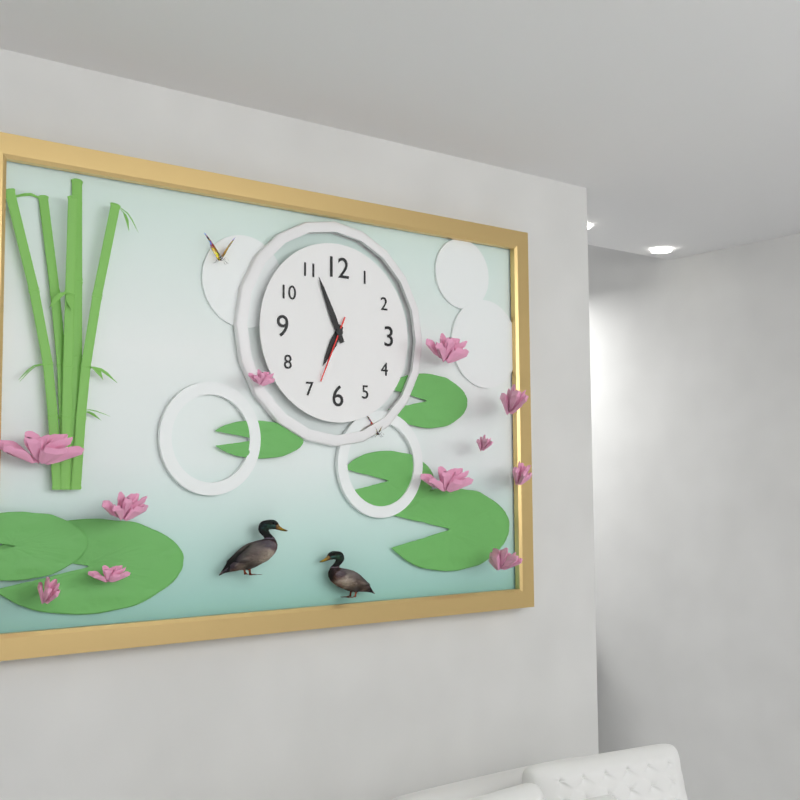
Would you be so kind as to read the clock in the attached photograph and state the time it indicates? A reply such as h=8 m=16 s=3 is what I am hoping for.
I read h=6 m=56 s=34
